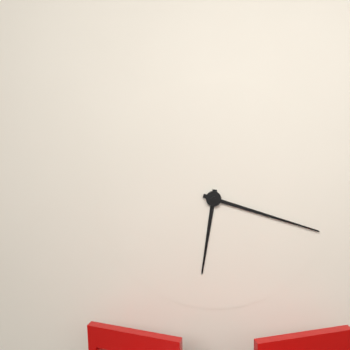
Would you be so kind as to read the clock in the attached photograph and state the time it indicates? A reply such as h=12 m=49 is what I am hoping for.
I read h=6 m=18
